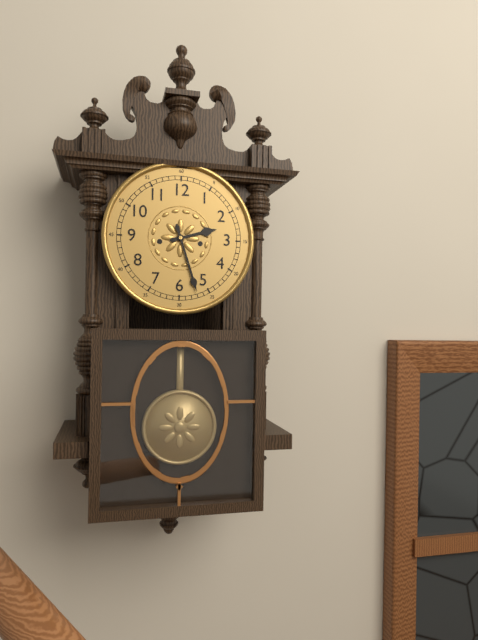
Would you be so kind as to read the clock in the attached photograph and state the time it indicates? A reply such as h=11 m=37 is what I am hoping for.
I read h=2 m=27
